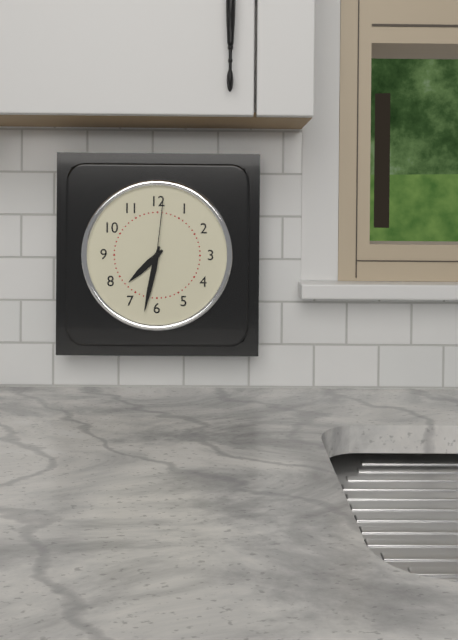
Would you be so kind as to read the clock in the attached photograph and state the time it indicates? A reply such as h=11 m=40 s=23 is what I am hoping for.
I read h=7 m=32 s=1
